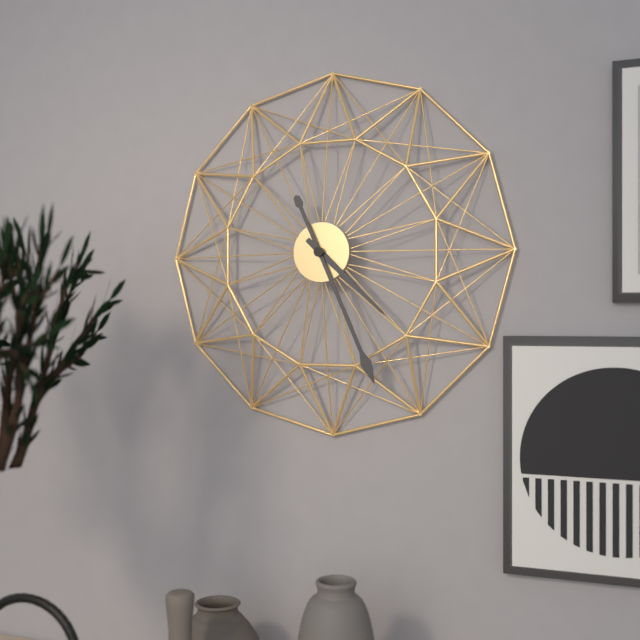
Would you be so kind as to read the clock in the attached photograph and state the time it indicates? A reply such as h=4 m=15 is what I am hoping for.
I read h=4 m=26
